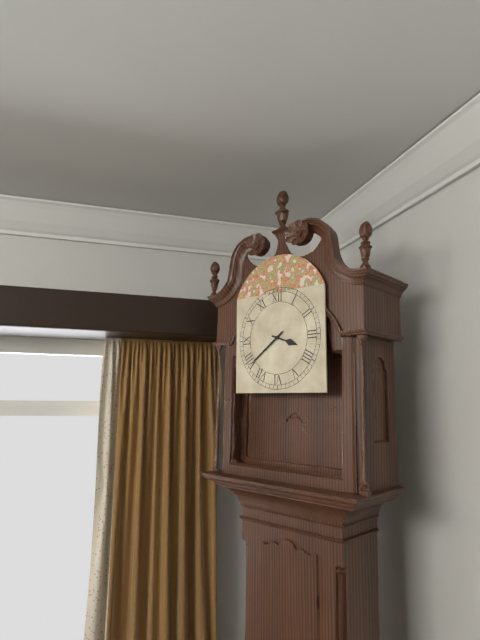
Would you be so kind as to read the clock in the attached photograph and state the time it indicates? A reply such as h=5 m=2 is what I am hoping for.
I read h=3 m=39
